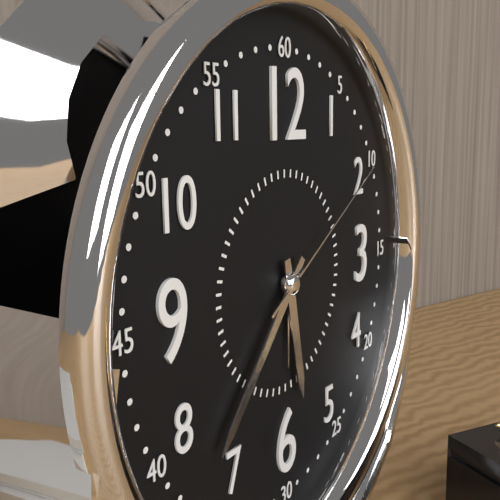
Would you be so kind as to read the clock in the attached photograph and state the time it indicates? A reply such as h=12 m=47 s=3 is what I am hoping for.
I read h=5 m=37 s=10
